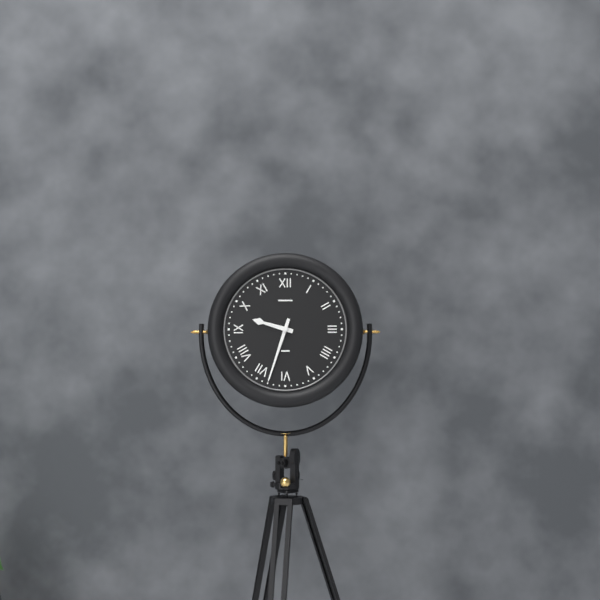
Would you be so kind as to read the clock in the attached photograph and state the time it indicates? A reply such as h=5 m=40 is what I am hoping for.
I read h=9 m=33
